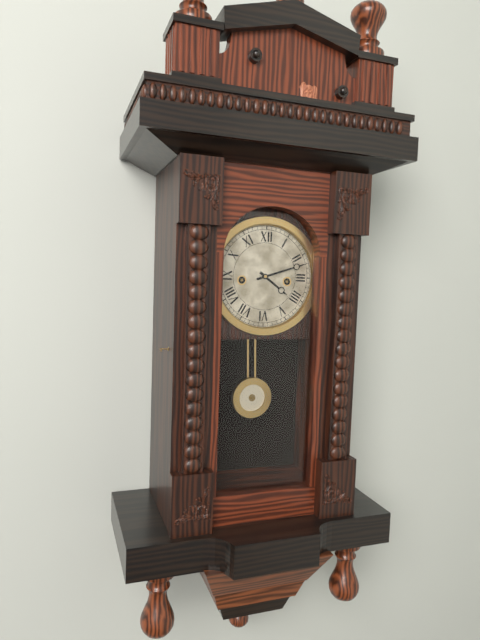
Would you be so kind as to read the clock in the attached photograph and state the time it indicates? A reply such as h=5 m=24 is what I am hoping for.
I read h=4 m=12
